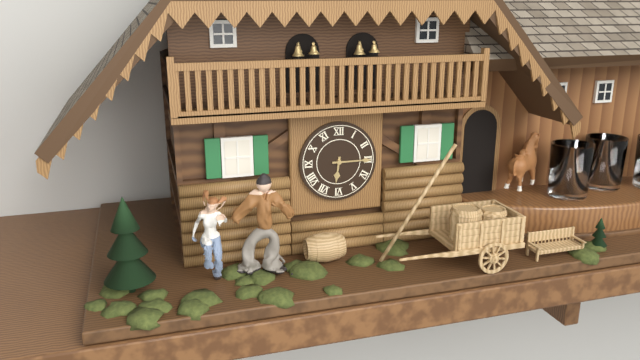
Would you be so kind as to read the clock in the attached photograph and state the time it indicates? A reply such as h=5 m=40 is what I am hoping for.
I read h=6 m=15
